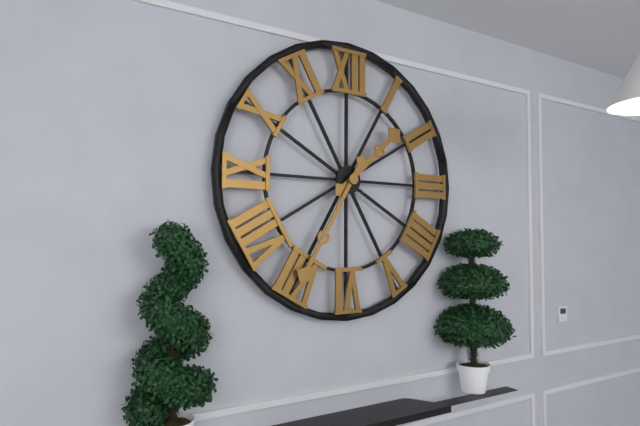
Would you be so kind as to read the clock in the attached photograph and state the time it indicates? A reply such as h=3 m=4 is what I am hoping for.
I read h=1 m=35
